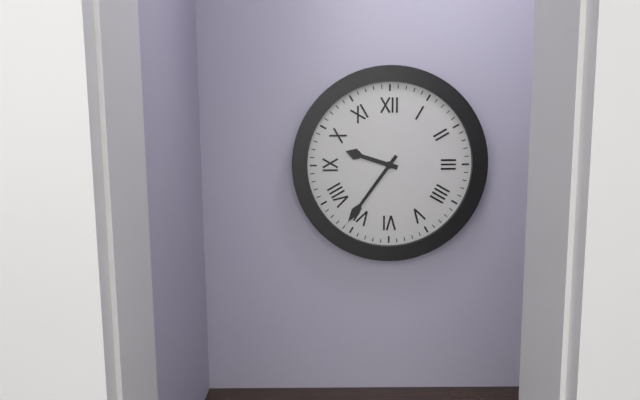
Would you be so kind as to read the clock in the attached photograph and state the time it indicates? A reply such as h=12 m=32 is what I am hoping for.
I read h=9 m=36
